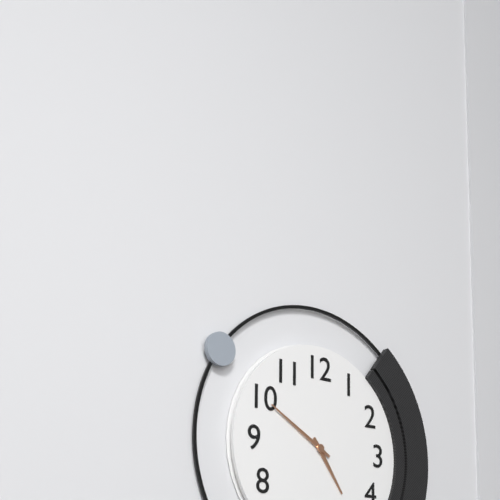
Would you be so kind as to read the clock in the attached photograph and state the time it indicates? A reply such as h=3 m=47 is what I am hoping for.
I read h=4 m=50
